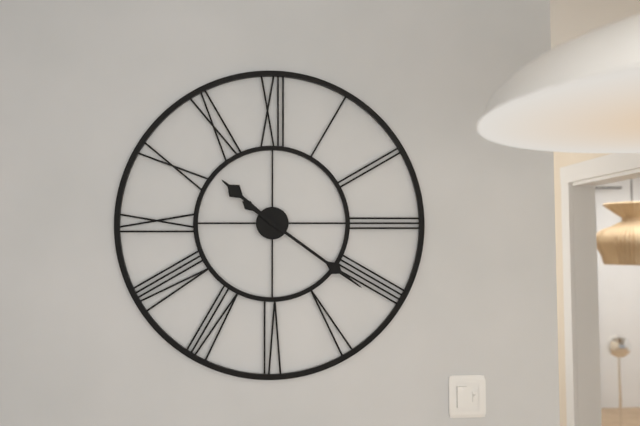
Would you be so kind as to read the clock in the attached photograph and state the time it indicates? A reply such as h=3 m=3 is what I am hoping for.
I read h=10 m=21
